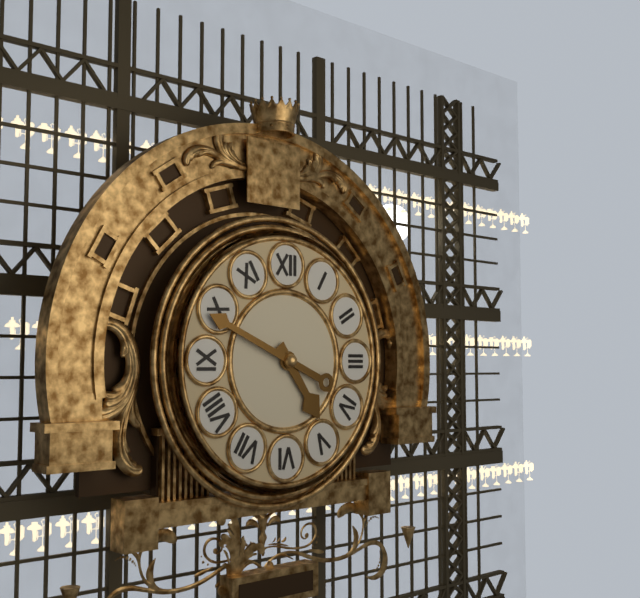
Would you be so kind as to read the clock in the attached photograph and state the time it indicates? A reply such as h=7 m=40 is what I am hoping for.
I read h=4 m=49
